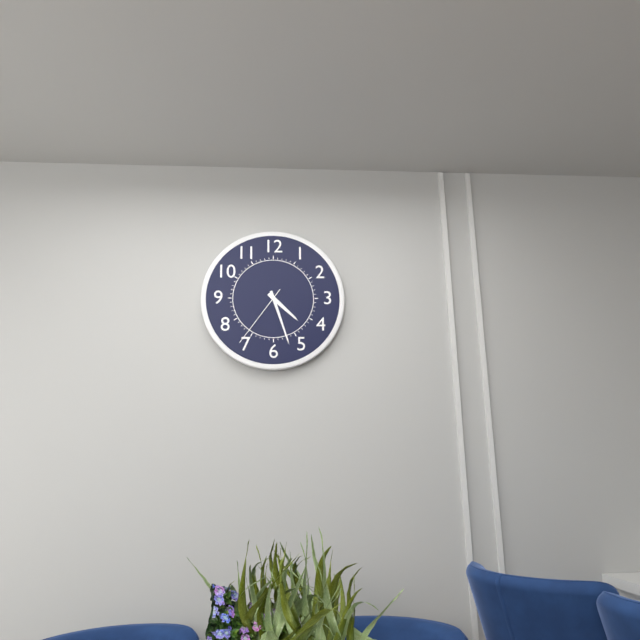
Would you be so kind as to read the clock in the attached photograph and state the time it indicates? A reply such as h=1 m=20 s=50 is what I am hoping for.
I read h=4 m=27 s=36
